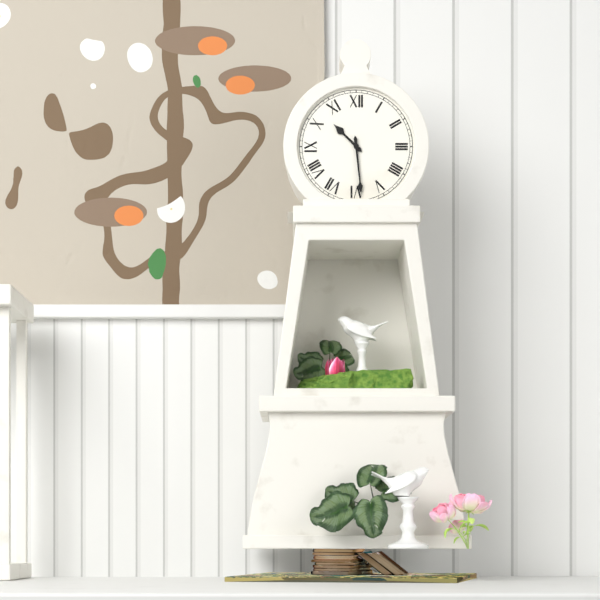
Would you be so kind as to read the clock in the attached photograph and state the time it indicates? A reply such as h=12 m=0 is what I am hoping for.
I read h=10 m=29
